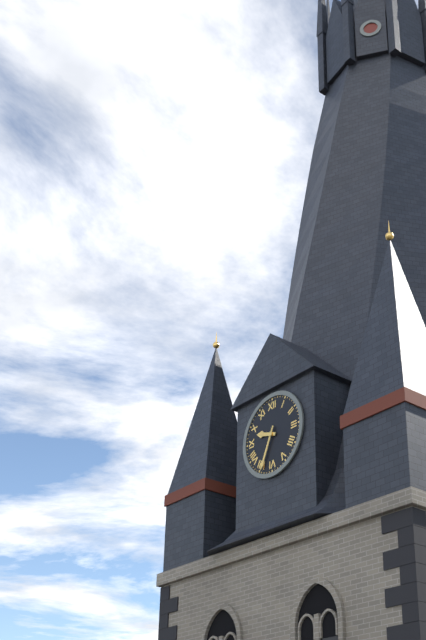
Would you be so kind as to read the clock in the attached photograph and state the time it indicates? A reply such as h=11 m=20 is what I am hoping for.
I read h=9 m=34
